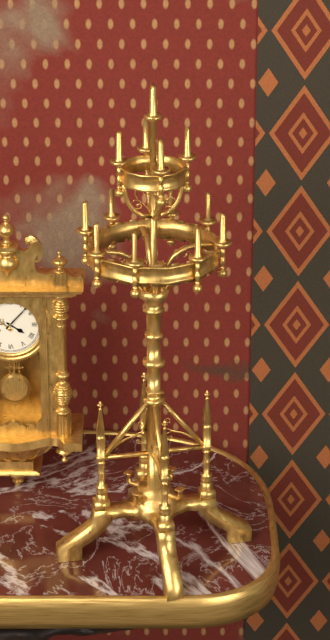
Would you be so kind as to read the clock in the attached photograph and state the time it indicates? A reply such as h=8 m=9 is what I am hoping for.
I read h=4 m=7
